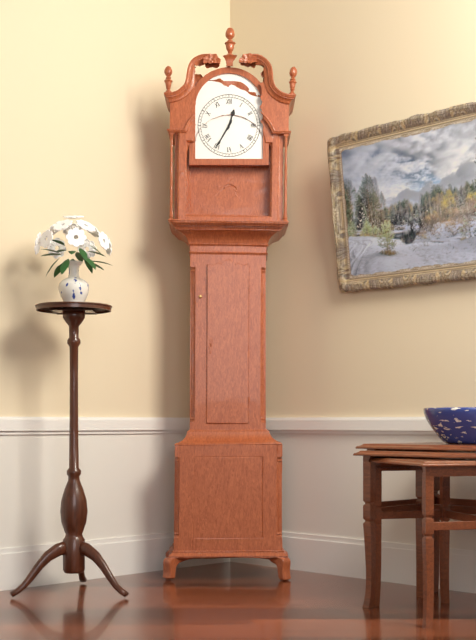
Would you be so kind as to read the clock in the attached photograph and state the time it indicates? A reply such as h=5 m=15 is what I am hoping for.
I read h=12 m=35
